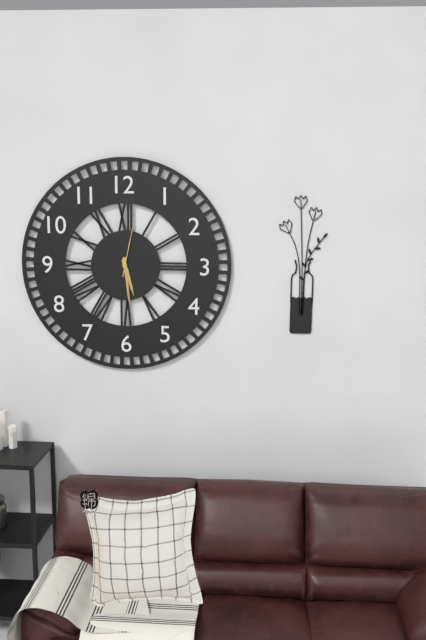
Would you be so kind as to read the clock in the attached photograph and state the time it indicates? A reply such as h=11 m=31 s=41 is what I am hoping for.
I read h=5 m=29 s=2
